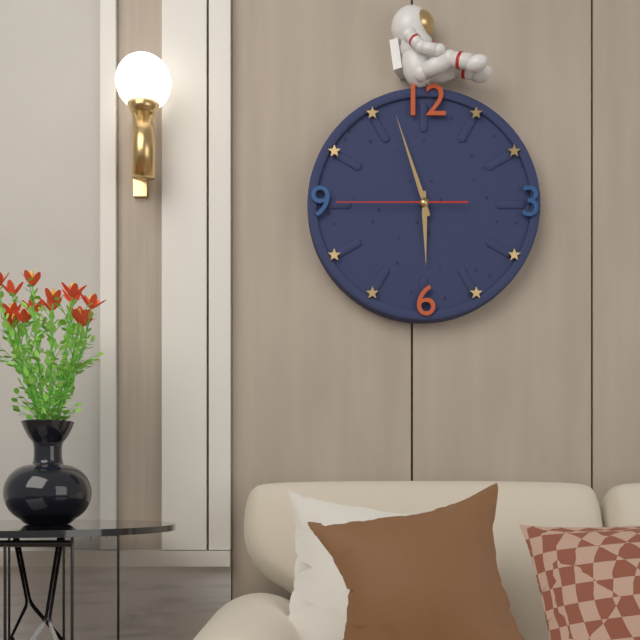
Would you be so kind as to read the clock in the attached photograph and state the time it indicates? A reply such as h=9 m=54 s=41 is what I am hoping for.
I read h=5 m=57 s=45
